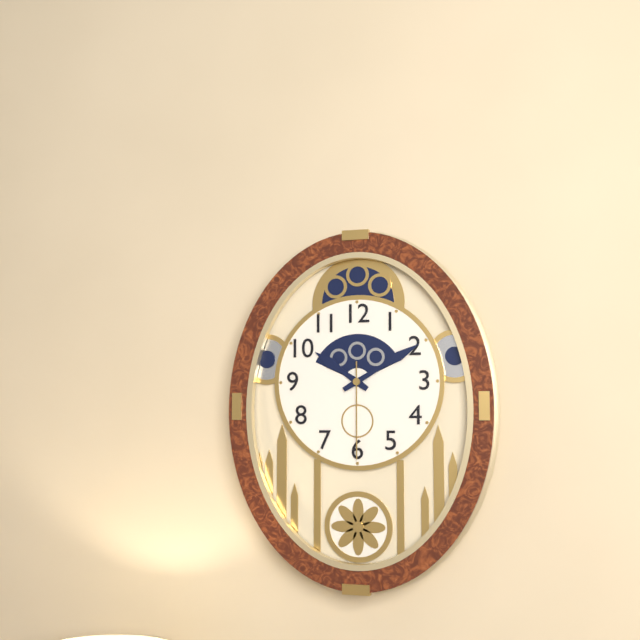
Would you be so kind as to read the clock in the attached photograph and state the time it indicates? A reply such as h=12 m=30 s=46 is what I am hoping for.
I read h=10 m=10 s=30
